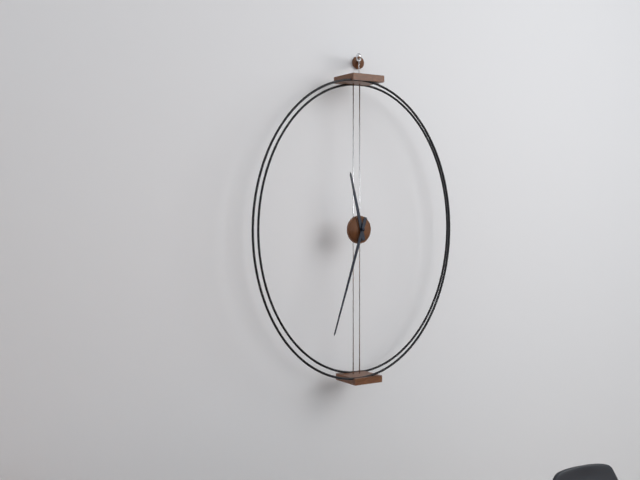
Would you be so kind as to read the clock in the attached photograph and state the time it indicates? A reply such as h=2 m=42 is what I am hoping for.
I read h=11 m=33
